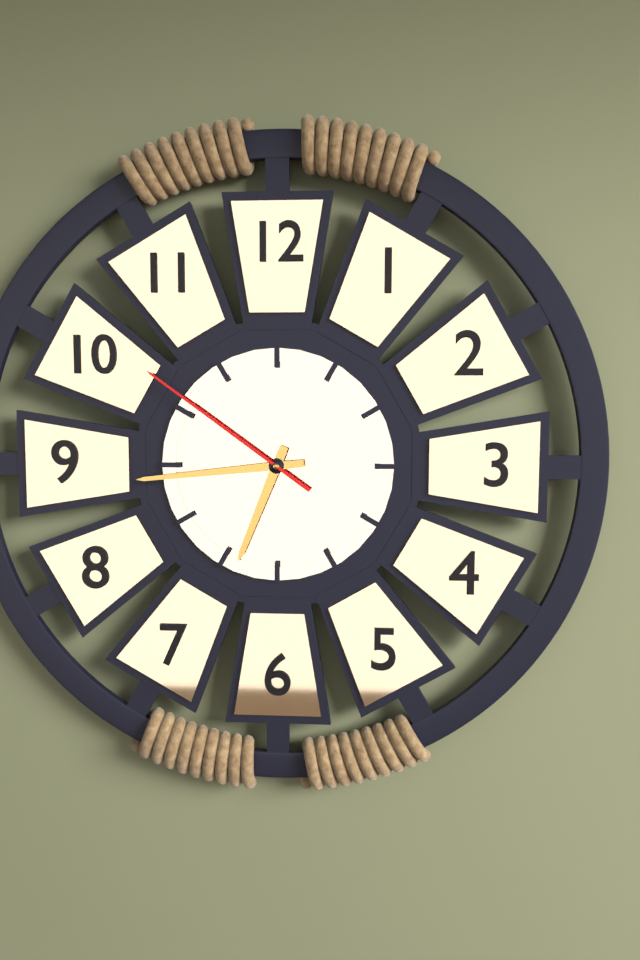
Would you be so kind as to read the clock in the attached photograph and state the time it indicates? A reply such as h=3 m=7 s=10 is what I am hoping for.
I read h=6 m=44 s=51
